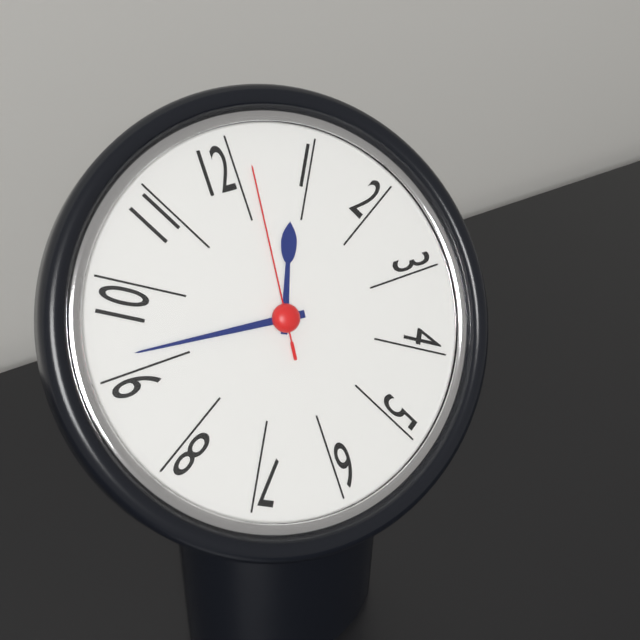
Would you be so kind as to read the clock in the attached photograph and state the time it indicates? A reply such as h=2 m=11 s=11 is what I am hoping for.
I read h=12 m=46 s=1
